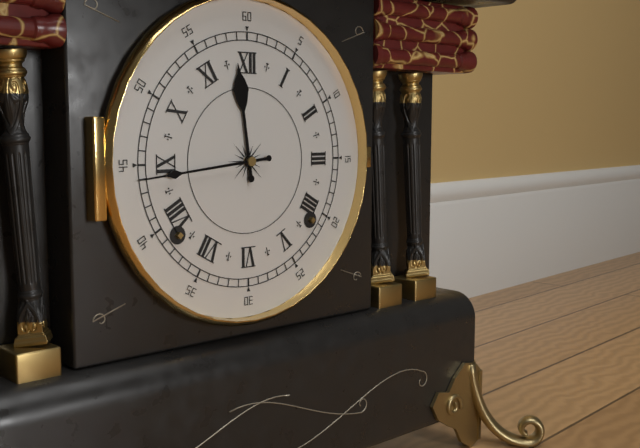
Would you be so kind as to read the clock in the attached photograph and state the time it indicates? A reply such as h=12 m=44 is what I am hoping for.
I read h=11 m=44
